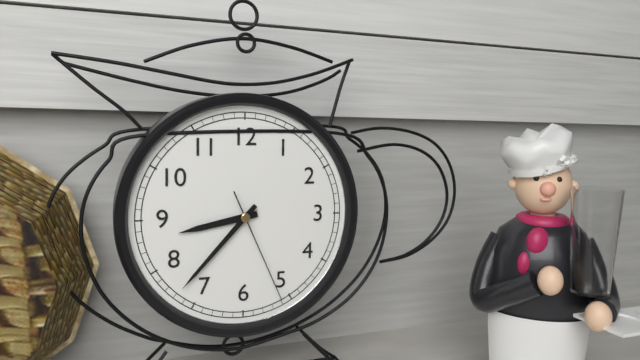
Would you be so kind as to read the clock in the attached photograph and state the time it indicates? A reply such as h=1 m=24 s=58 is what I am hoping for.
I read h=8 m=37 s=26
